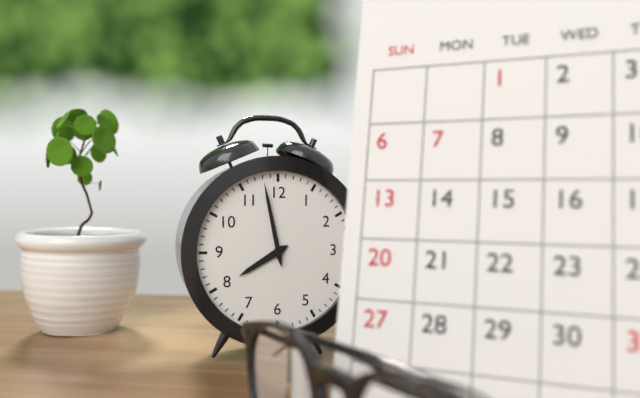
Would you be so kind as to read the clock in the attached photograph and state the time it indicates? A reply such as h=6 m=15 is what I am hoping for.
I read h=7 m=58
